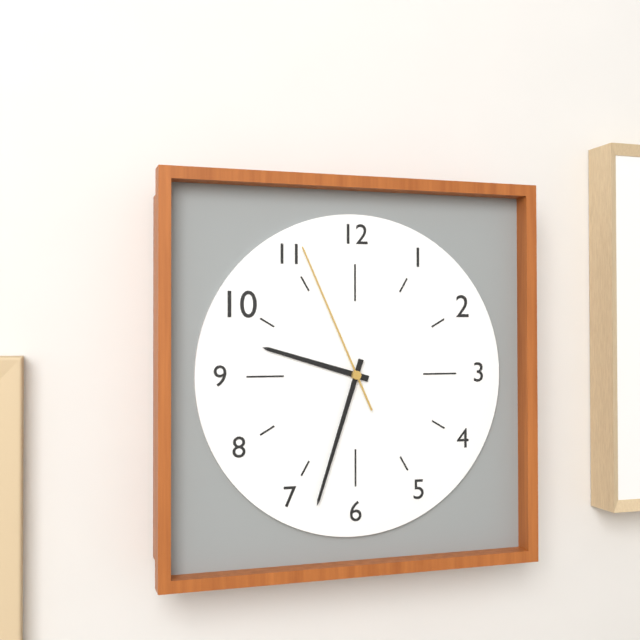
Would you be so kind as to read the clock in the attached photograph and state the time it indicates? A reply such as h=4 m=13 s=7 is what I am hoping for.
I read h=9 m=33 s=56
